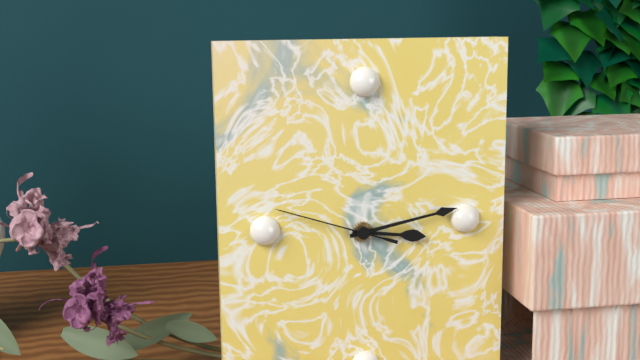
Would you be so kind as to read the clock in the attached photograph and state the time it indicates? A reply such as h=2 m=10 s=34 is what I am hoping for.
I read h=3 m=13 s=48
